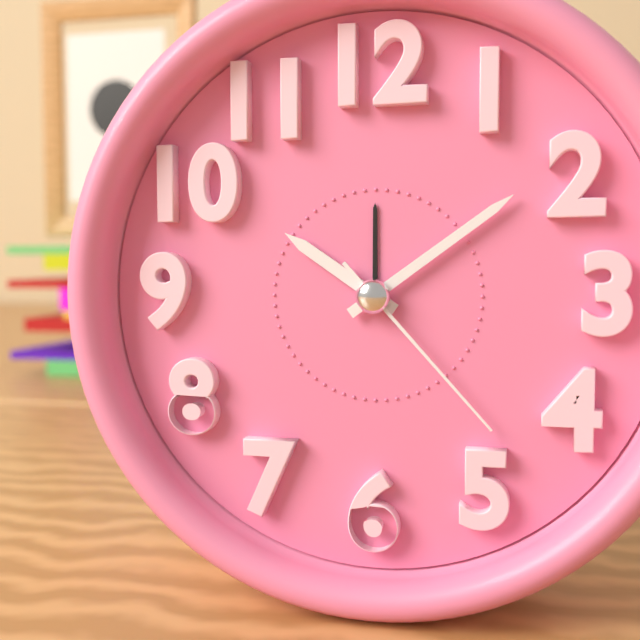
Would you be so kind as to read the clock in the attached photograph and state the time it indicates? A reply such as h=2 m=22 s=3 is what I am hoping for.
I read h=10 m=9 s=23
